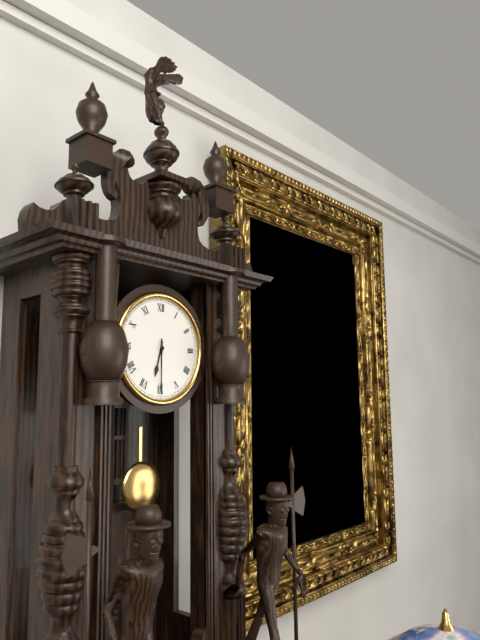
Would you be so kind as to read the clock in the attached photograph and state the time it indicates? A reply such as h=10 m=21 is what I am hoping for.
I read h=6 m=30
